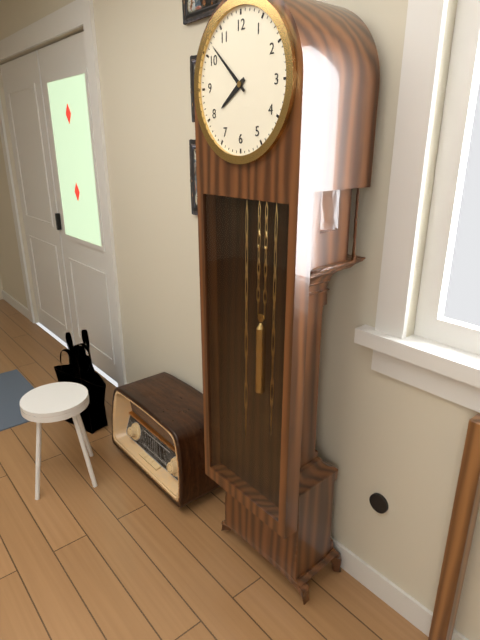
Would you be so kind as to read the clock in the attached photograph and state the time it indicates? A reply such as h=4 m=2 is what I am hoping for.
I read h=7 m=52
